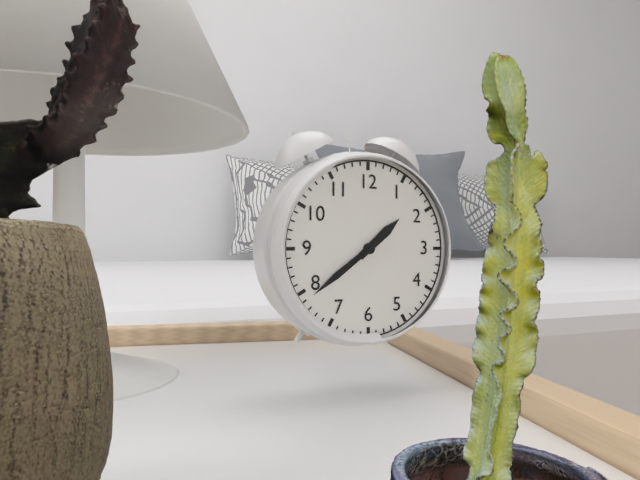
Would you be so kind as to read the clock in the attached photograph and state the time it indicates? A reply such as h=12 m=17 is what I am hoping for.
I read h=1 m=39
